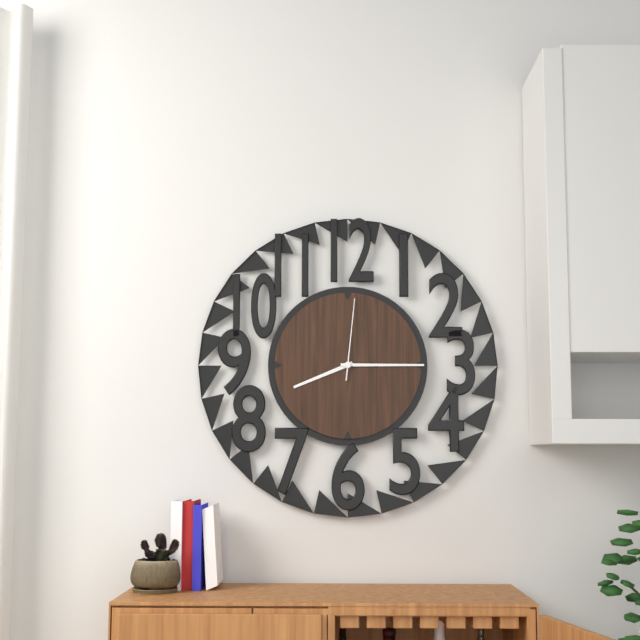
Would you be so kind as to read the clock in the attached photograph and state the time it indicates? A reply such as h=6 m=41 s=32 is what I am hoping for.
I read h=8 m=15 s=1
